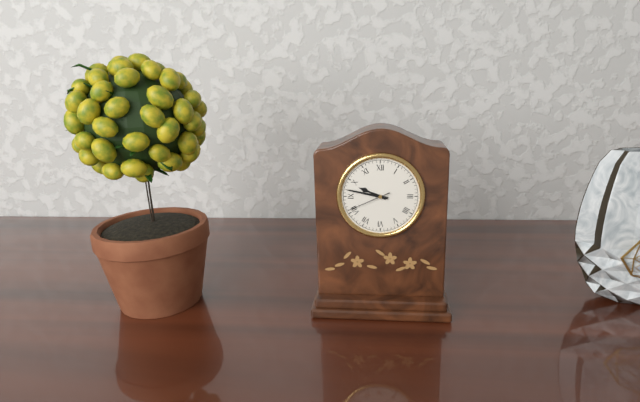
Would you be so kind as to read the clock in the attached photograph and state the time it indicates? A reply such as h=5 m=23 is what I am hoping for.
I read h=9 m=47
